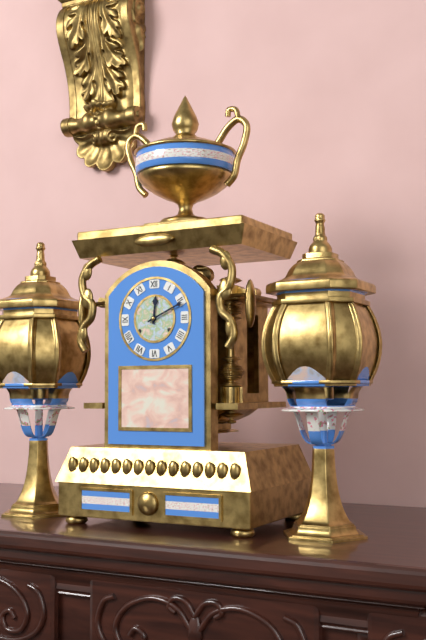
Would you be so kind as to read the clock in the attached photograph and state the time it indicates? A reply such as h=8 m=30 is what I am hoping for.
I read h=12 m=11
